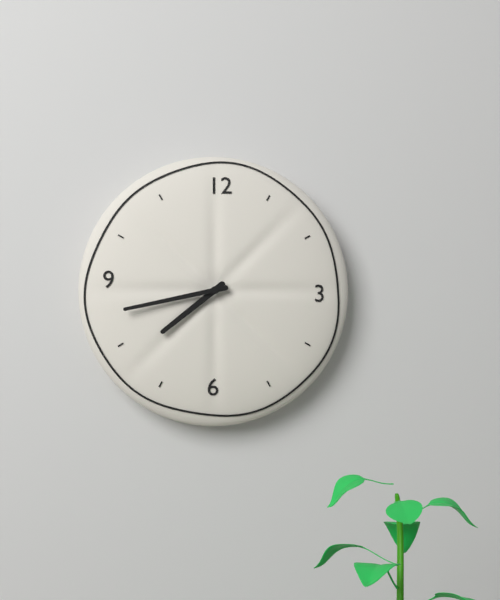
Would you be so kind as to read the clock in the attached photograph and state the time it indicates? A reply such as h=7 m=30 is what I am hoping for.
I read h=7 m=43
